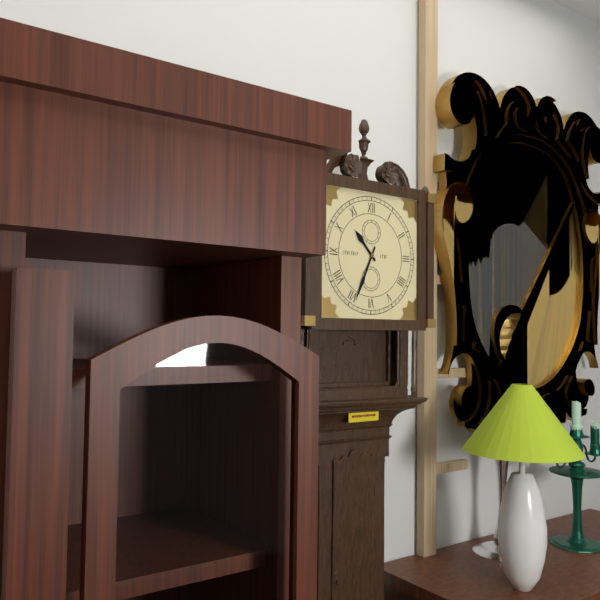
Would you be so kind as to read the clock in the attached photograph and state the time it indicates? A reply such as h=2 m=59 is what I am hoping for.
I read h=10 m=34
